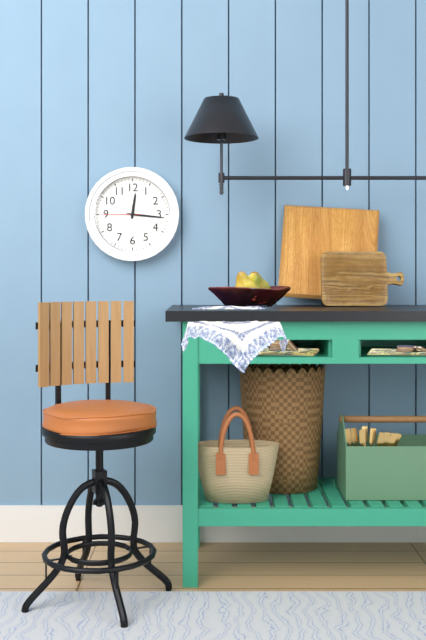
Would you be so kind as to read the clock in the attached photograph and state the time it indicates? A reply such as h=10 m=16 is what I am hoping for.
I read h=12 m=16
